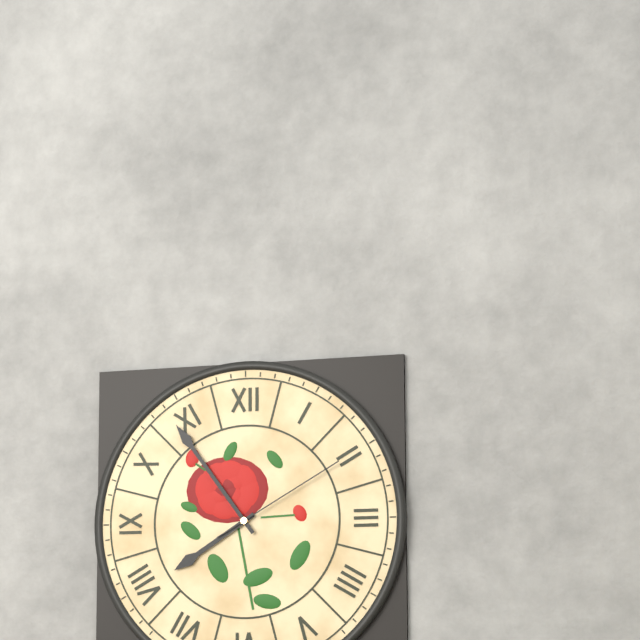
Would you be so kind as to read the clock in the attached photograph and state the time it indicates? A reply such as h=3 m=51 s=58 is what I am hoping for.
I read h=7 m=54 s=10
